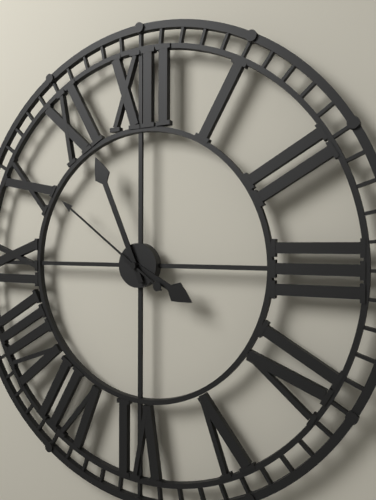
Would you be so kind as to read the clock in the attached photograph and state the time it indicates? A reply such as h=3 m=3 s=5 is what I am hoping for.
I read h=3 m=56 s=51
